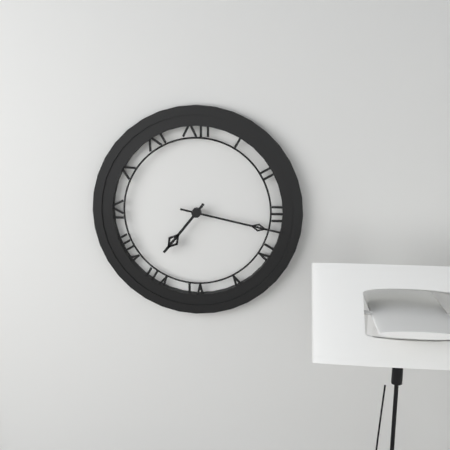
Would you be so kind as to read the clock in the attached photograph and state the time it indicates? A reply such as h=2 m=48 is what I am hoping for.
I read h=7 m=17
